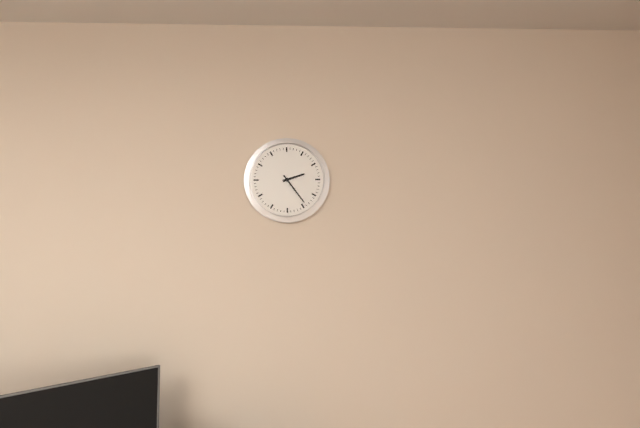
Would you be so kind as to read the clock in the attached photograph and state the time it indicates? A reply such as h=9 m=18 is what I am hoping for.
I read h=2 m=24
